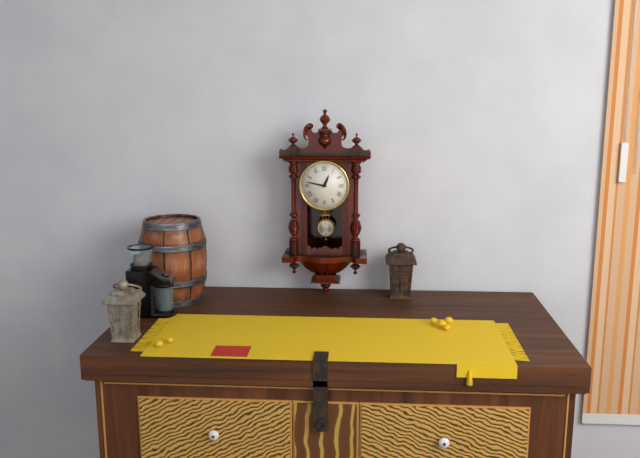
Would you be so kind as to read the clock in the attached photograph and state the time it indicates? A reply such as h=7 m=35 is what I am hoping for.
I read h=12 m=47
